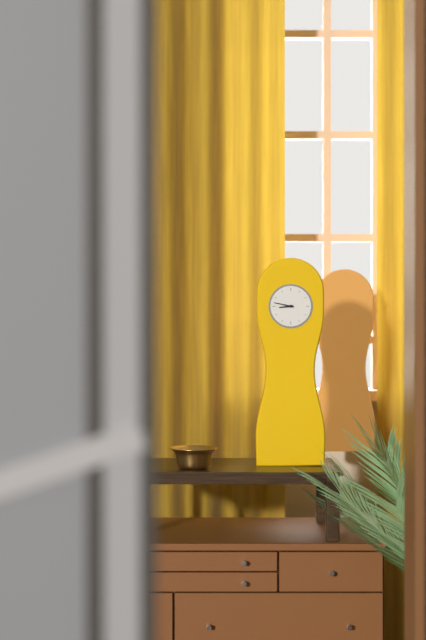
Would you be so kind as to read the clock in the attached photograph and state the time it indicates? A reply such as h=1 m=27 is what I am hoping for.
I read h=8 m=47
